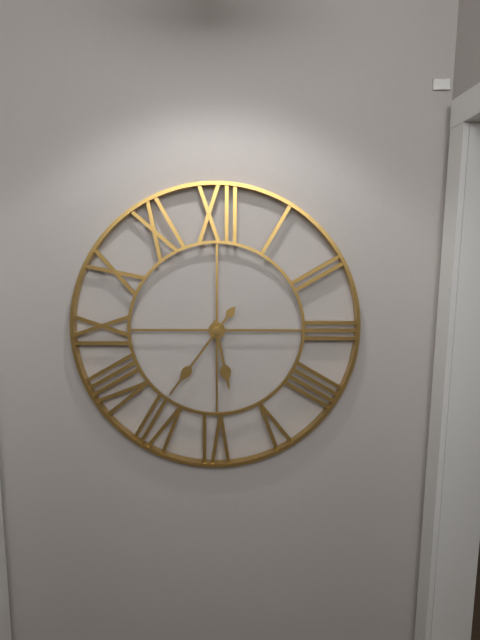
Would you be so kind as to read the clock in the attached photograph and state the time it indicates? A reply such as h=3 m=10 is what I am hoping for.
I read h=5 m=36
